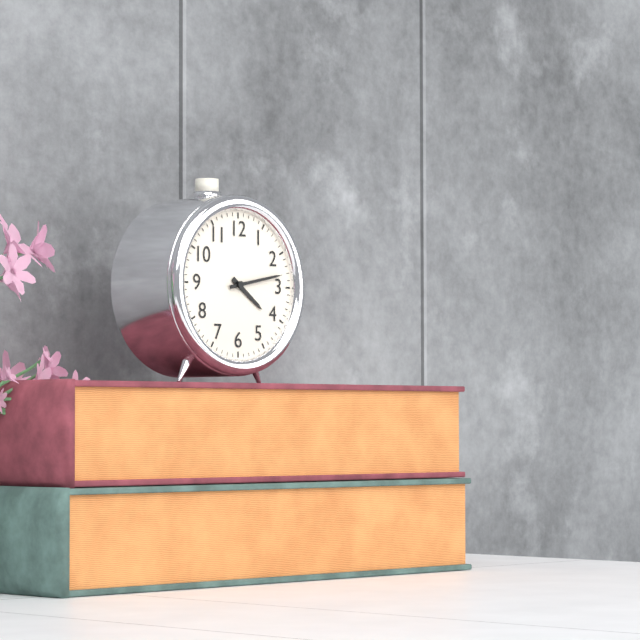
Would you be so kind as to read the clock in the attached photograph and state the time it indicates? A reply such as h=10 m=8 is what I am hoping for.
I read h=4 m=13
